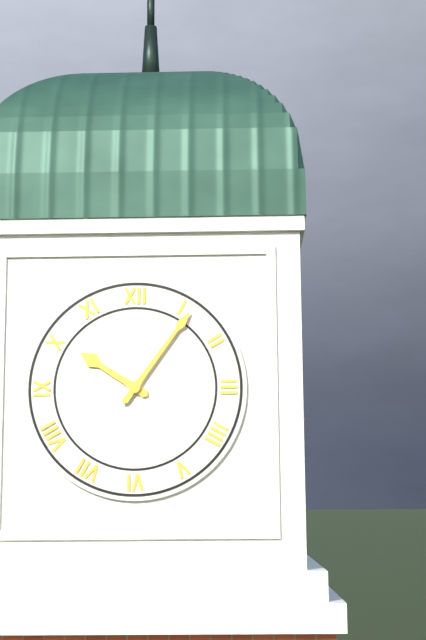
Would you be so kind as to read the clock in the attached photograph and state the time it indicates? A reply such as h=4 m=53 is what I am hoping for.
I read h=10 m=6
